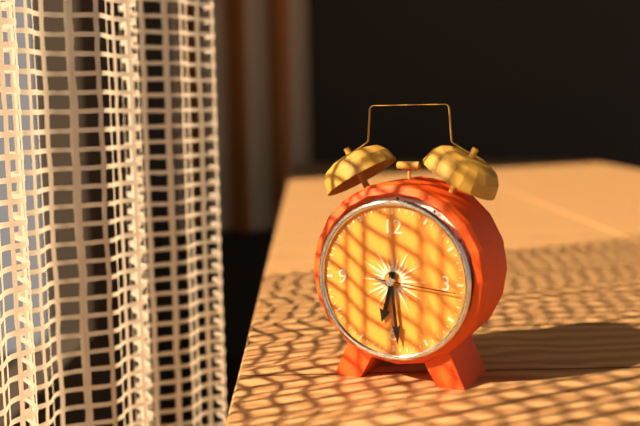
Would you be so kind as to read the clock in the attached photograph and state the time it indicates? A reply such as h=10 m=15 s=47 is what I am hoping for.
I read h=6 m=29 s=16
